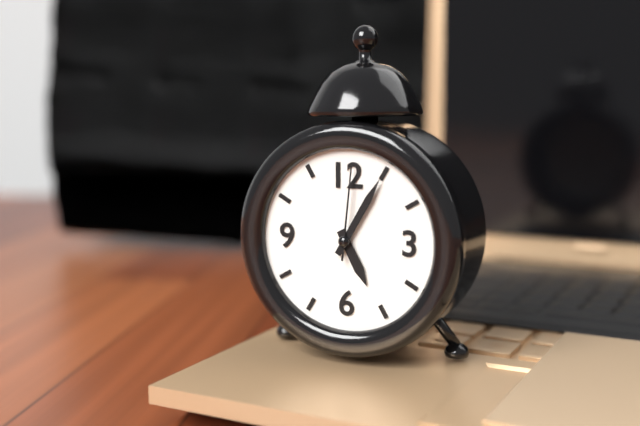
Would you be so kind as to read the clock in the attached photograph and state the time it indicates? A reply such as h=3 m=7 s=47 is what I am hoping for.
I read h=5 m=5 s=1
